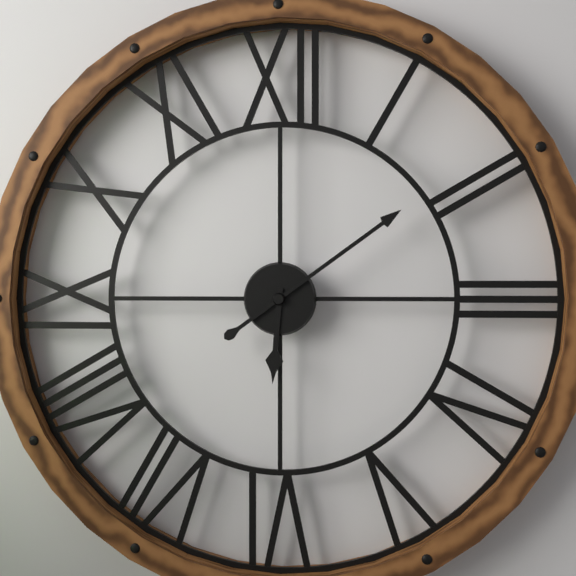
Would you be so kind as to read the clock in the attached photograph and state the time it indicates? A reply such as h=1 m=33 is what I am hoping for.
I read h=6 m=9
